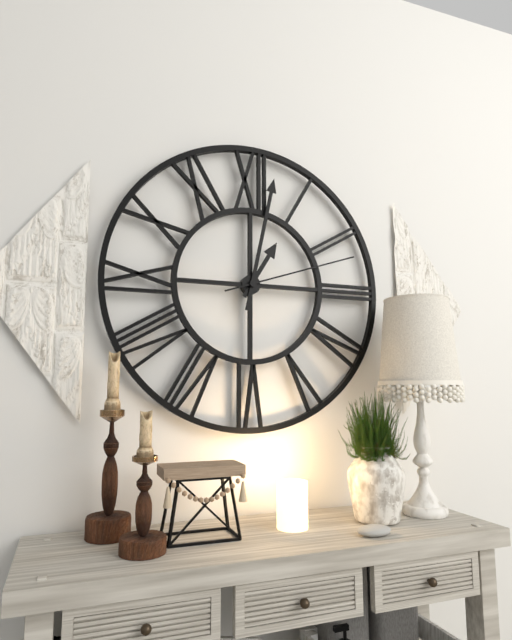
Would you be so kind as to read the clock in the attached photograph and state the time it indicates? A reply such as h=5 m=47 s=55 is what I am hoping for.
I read h=1 m=2 s=12
